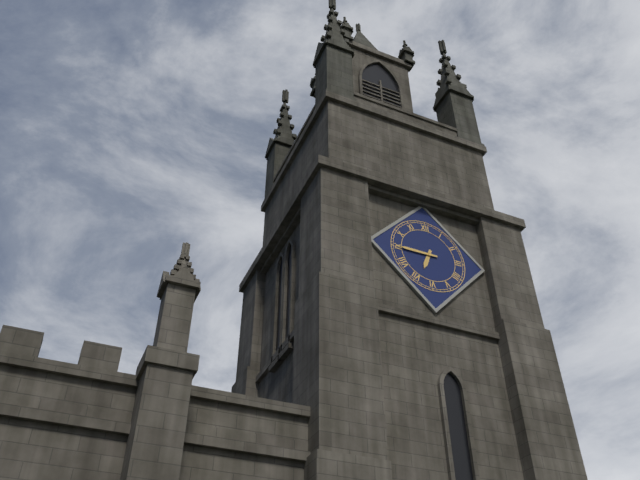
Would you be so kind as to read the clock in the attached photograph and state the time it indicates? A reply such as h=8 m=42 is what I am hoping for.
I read h=6 m=45
